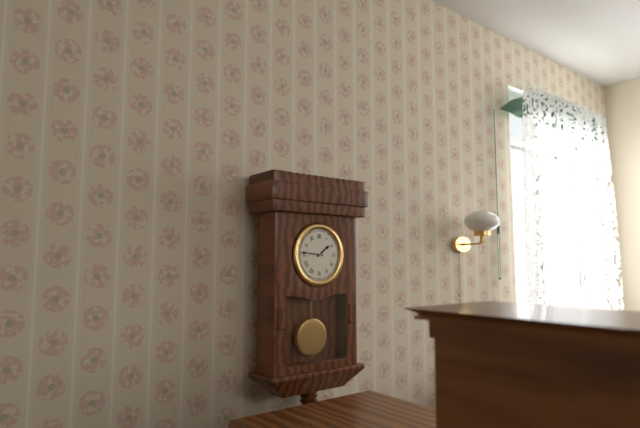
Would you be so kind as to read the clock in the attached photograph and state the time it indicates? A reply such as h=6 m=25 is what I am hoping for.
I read h=1 m=46
